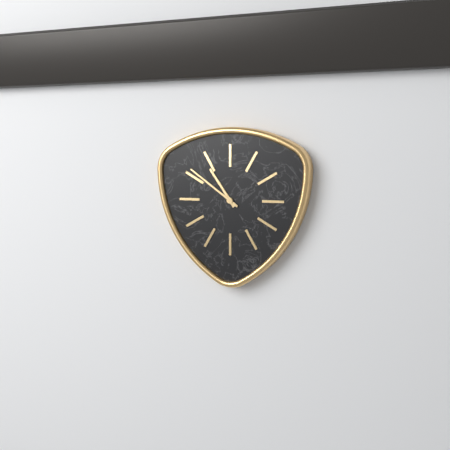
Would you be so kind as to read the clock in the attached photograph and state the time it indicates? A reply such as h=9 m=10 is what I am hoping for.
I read h=10 m=51
